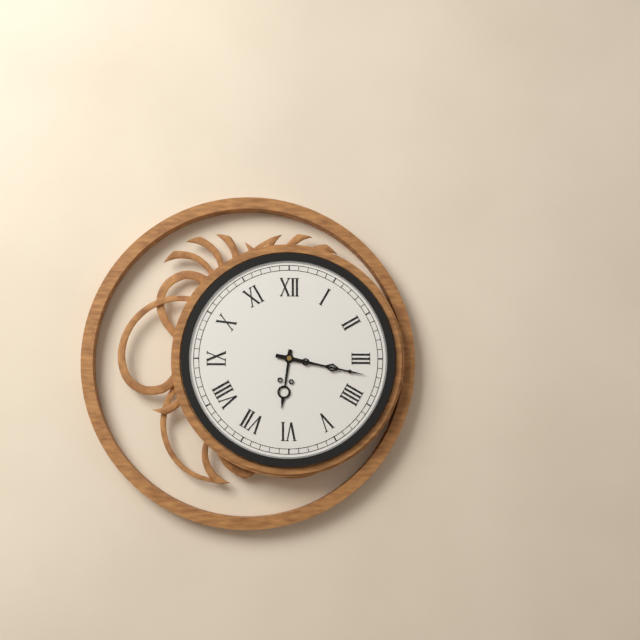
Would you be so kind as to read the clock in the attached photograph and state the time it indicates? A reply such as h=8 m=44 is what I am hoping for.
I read h=6 m=17
